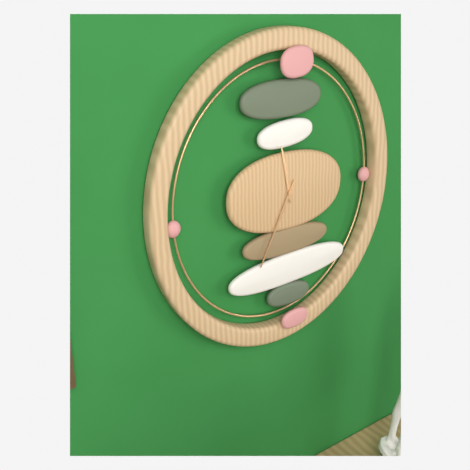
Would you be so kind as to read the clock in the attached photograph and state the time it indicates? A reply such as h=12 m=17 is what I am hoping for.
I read h=11 m=35
